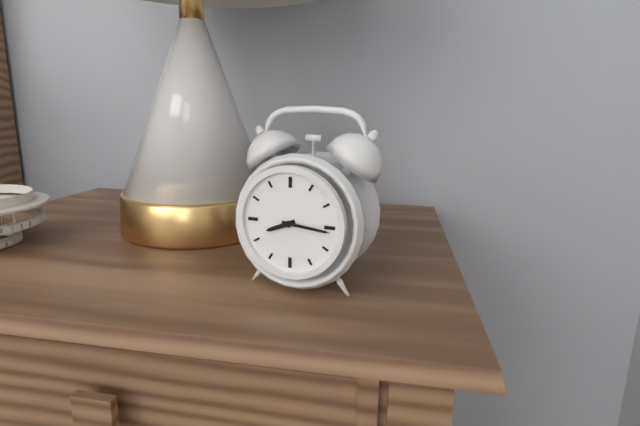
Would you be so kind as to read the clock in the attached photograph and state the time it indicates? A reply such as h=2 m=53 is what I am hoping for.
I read h=8 m=16
